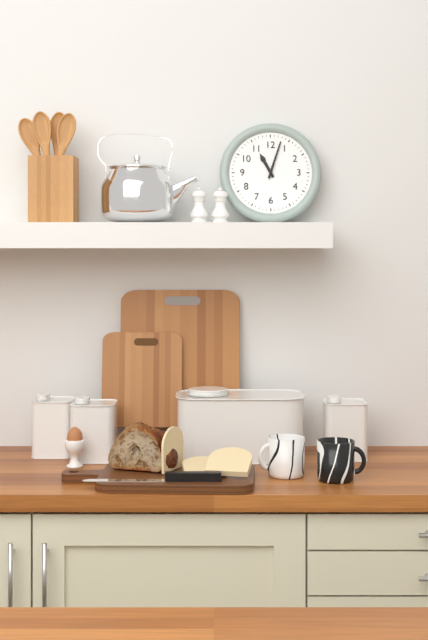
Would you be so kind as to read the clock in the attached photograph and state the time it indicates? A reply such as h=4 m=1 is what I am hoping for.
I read h=11 m=3
